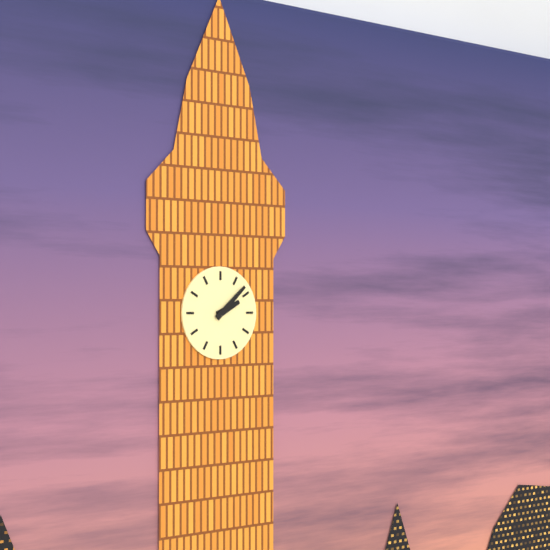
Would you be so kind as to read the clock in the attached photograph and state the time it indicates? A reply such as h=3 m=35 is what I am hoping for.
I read h=2 m=8
